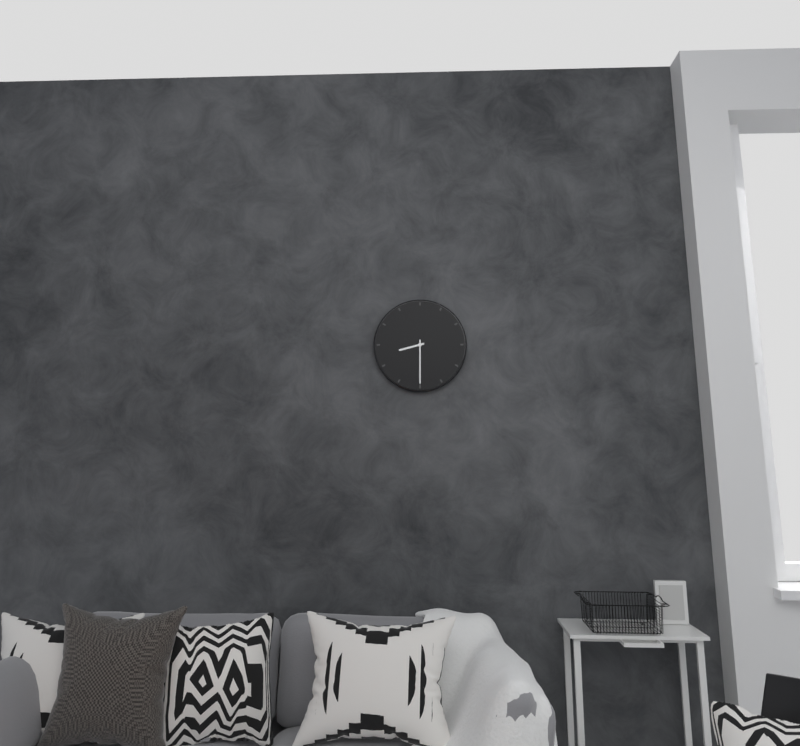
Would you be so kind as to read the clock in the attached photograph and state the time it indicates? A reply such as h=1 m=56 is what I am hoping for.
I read h=8 m=30
